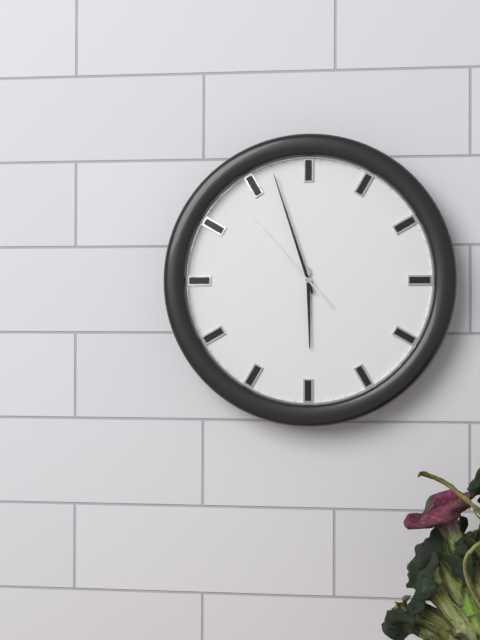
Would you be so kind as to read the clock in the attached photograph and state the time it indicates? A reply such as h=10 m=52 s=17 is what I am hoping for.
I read h=5 m=57 s=53
